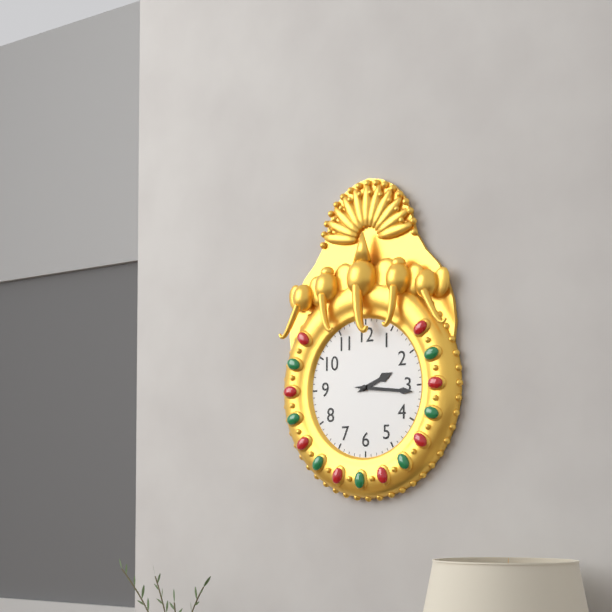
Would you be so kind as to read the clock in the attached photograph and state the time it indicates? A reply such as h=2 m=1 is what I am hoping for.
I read h=2 m=16
